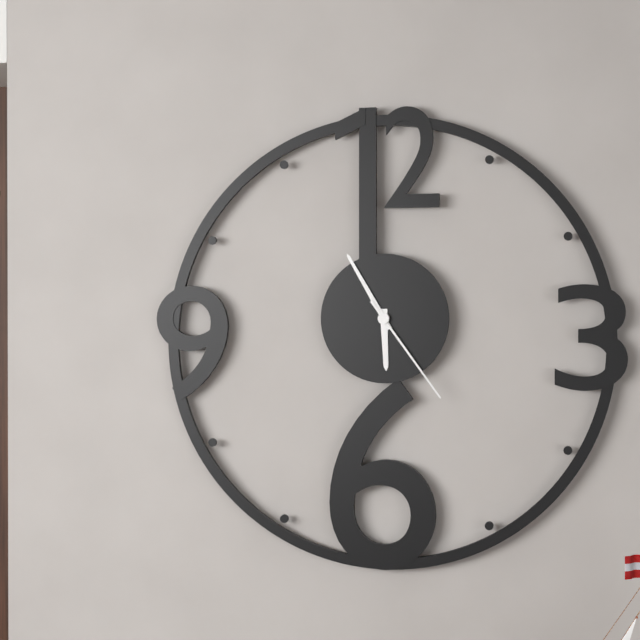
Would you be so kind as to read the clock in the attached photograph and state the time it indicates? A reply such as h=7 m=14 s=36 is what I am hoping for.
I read h=5 m=55 s=24
